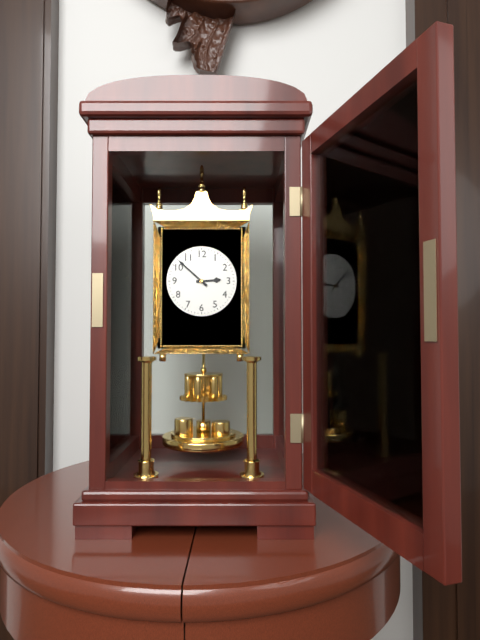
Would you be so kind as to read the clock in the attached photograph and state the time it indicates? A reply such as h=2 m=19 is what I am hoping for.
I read h=2 m=52
